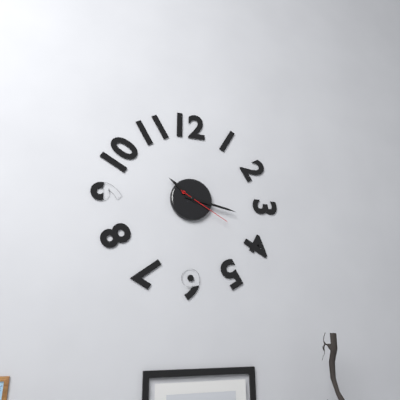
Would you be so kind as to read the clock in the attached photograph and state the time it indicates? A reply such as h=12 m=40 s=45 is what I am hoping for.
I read h=10 m=17 s=20
